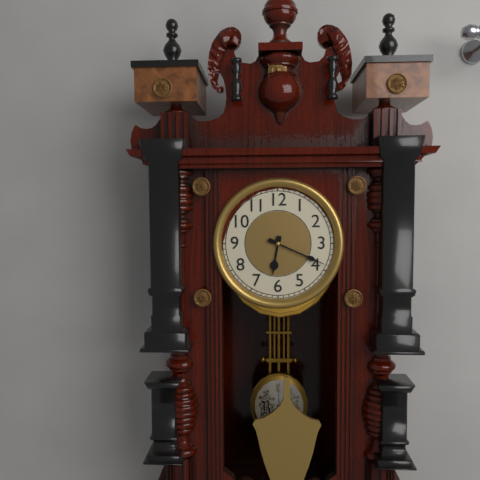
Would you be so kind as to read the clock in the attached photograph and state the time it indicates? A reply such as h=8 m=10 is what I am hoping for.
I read h=6 m=19
